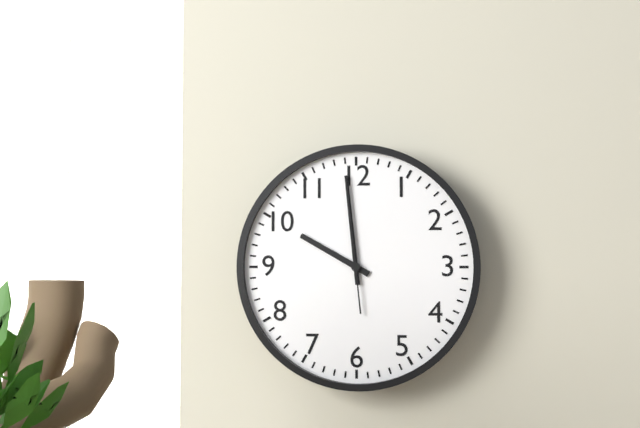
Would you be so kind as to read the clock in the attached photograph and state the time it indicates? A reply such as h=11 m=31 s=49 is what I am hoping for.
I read h=9 m=59 s=59
